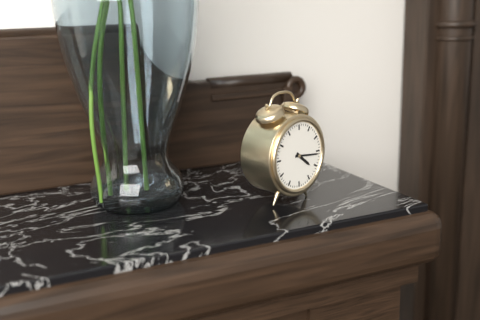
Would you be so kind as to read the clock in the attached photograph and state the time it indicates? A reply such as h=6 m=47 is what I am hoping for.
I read h=4 m=16
